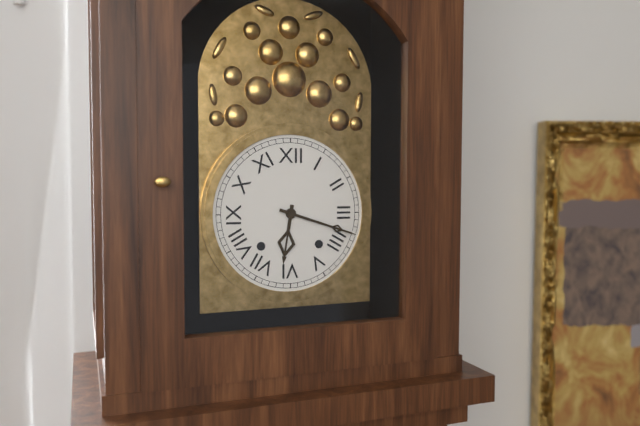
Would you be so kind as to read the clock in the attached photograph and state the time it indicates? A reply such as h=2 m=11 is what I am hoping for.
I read h=6 m=18
